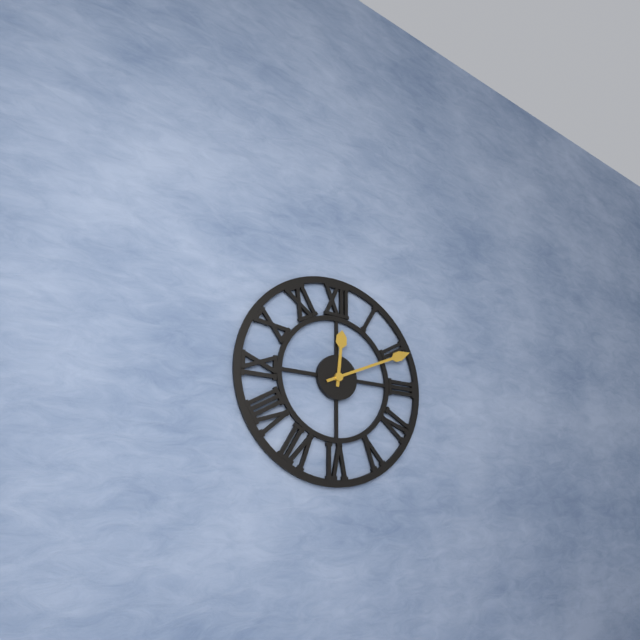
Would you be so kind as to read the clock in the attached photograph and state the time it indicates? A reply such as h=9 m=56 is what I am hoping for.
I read h=12 m=11
